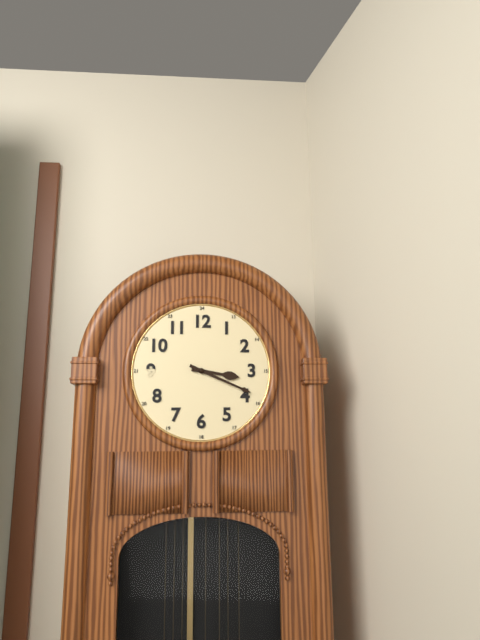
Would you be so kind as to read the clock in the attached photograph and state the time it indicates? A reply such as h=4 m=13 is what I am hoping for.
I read h=3 m=19
